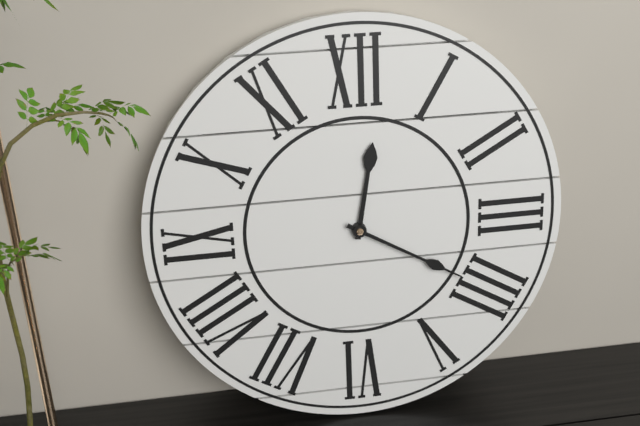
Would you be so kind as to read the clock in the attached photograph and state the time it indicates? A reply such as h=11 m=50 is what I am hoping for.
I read h=12 m=20
